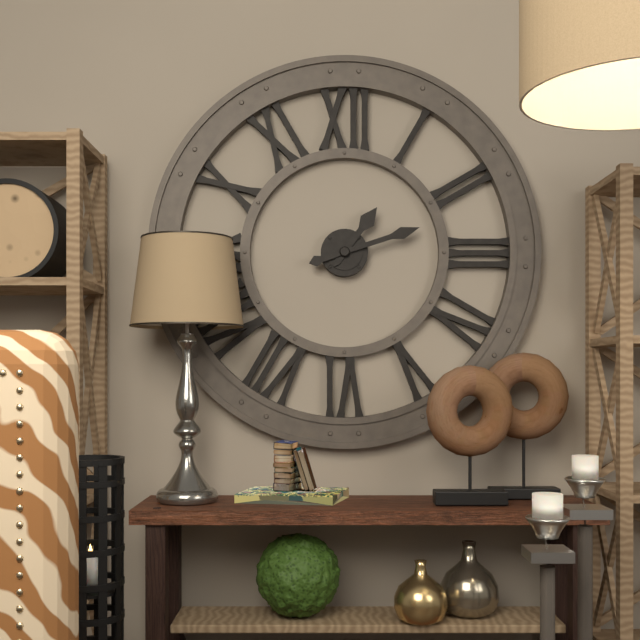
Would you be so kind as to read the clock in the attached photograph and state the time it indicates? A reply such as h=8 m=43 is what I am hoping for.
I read h=1 m=12
